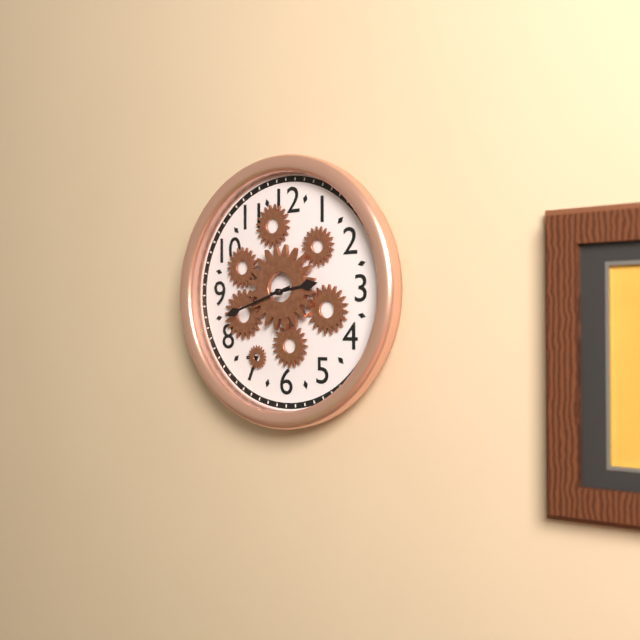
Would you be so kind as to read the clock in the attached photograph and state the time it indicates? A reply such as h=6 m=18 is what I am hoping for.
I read h=2 m=42
